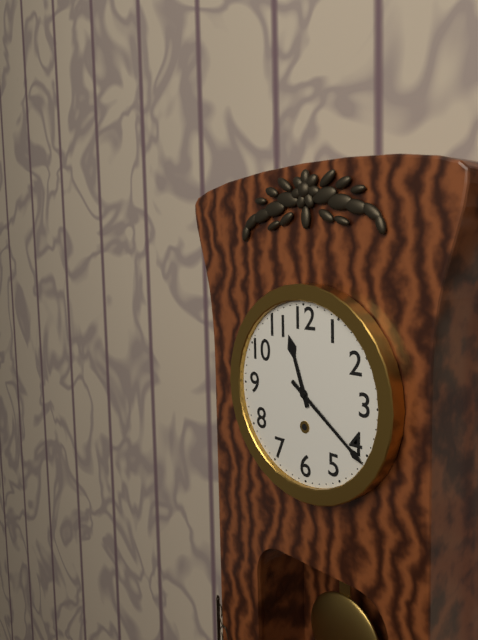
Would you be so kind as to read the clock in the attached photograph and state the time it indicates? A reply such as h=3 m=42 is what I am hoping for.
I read h=11 m=21
